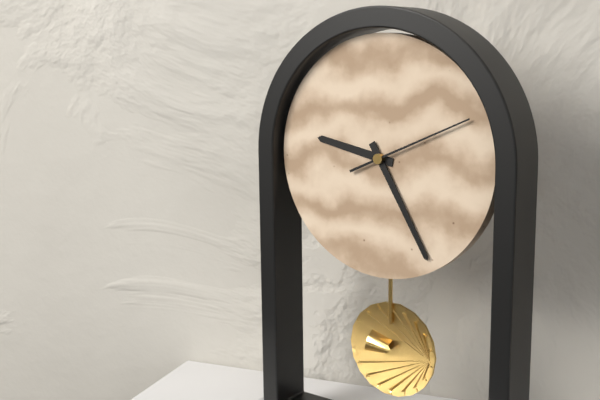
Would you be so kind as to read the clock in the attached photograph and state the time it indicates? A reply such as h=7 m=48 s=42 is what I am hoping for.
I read h=9 m=25 s=11
